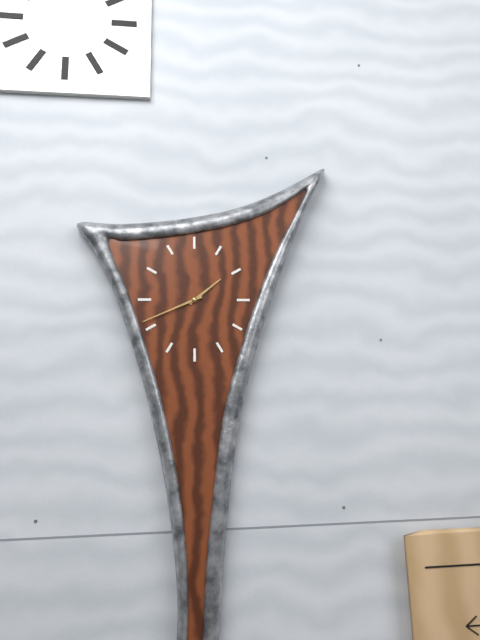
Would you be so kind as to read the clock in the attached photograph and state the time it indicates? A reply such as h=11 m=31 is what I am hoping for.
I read h=1 m=41
